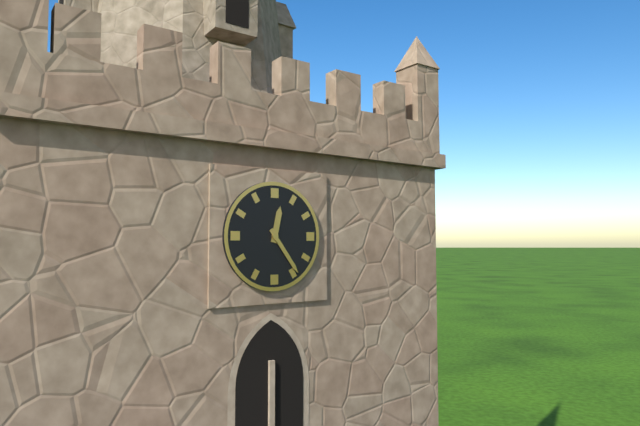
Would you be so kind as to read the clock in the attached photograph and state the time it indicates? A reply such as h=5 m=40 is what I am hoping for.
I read h=12 m=24
